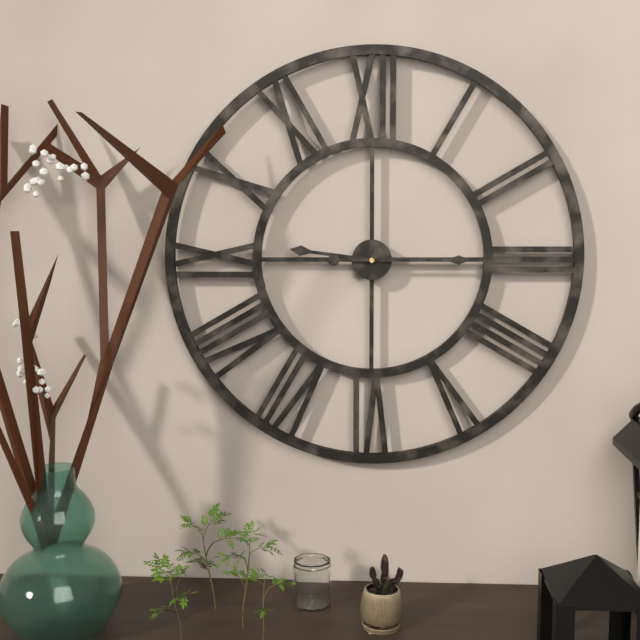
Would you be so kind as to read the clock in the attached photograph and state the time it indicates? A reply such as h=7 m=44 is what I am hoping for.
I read h=9 m=15
